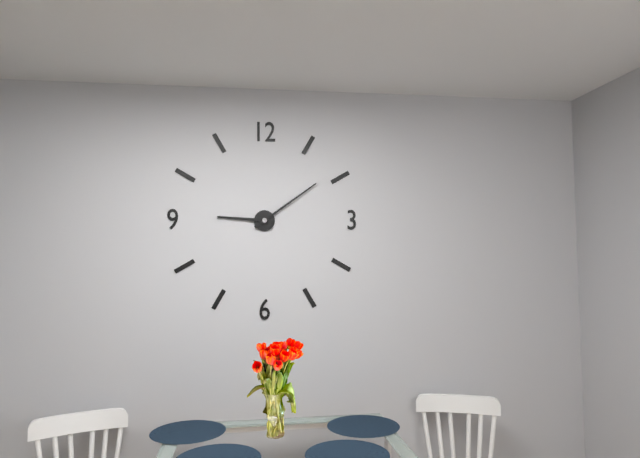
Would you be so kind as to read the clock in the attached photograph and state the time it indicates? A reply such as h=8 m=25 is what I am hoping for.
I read h=9 m=9
